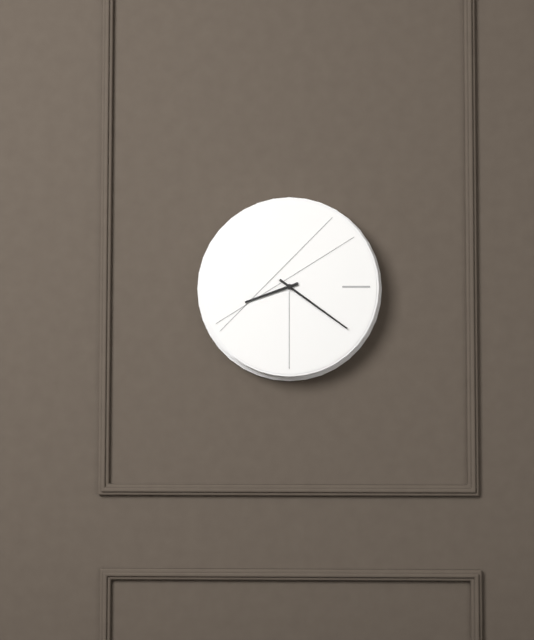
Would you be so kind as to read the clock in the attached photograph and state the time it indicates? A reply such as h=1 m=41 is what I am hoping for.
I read h=8 m=21
